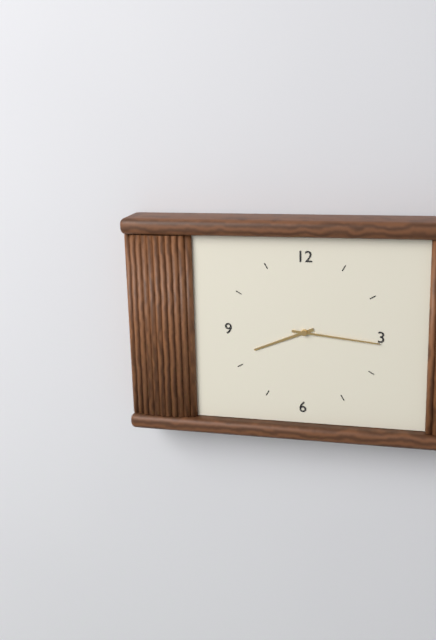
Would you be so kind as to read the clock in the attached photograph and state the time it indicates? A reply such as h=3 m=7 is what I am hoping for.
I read h=8 m=16
